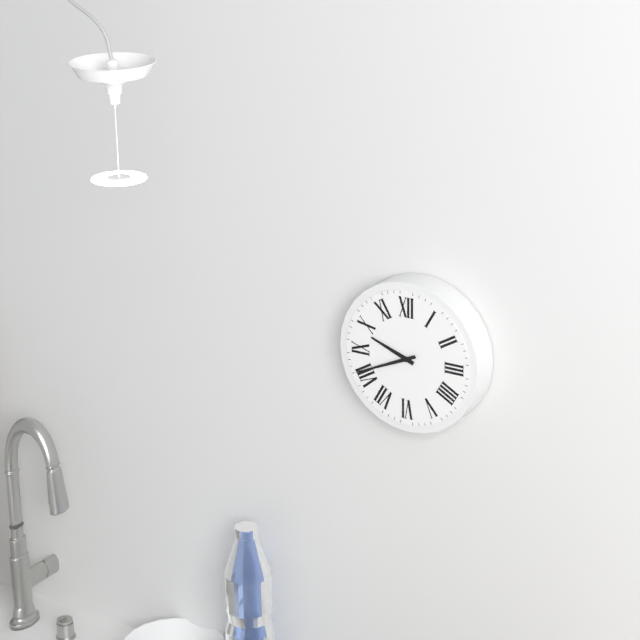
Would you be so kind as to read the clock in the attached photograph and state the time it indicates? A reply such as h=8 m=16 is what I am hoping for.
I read h=9 m=41
